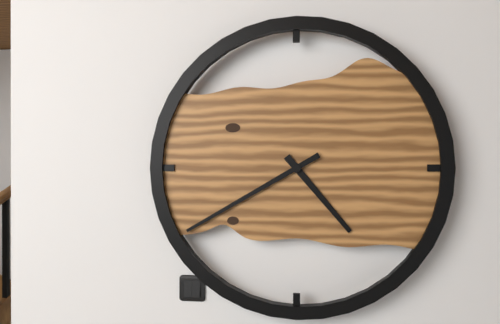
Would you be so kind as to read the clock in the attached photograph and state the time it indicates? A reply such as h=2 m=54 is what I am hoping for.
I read h=4 m=40
